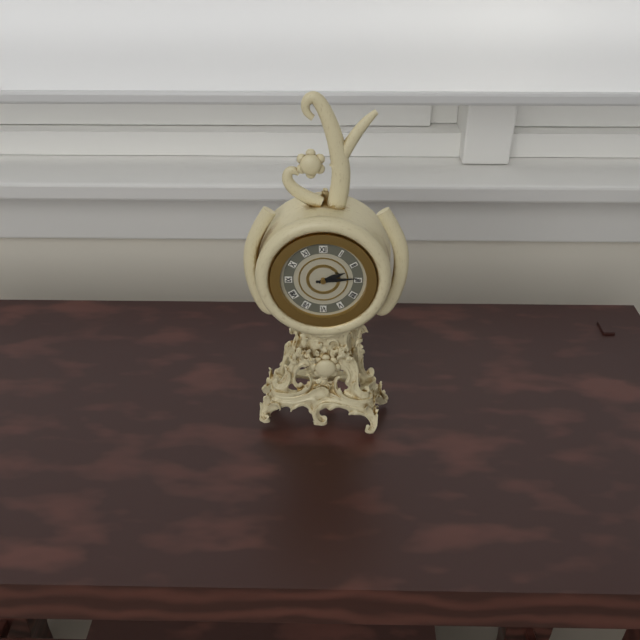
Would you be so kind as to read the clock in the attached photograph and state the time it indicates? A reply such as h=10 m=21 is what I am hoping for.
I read h=2 m=14
